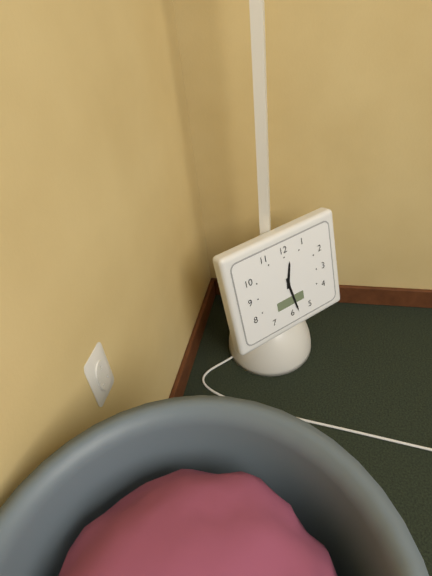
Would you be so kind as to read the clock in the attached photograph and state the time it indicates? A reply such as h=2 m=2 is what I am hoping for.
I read h=12 m=28
